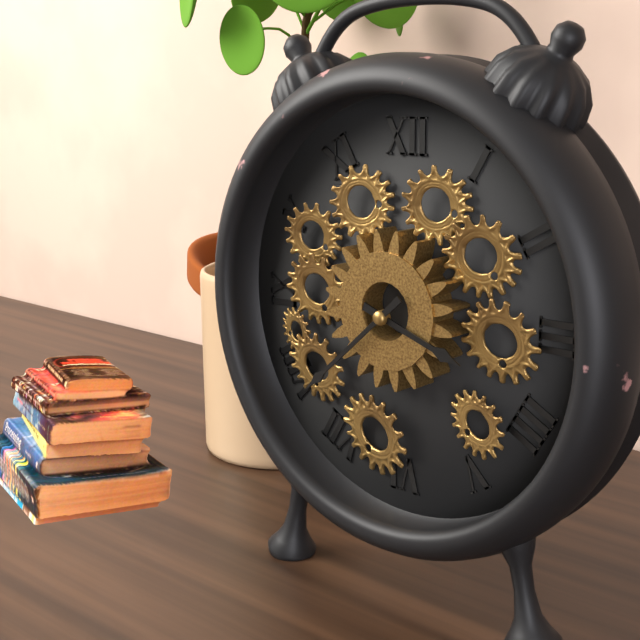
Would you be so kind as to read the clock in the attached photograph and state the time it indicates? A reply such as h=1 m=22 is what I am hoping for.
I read h=3 m=38
